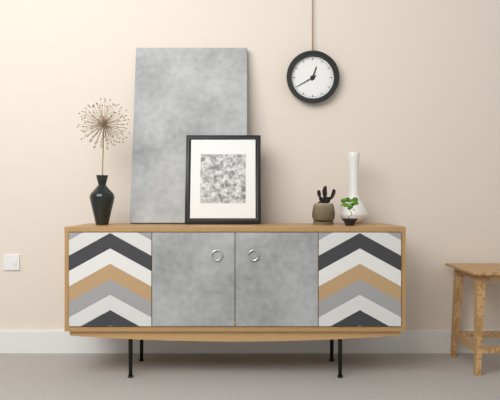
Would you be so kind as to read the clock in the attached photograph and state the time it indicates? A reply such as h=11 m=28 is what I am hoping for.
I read h=12 m=40
